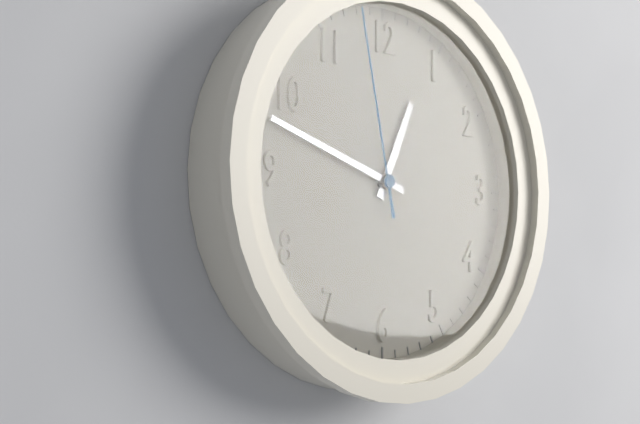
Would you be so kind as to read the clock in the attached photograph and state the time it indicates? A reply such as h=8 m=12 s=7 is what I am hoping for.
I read h=12 m=48 s=58
